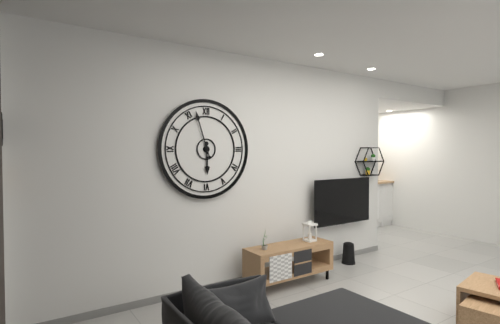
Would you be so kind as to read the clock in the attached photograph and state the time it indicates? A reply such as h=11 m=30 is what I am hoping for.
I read h=5 m=57
